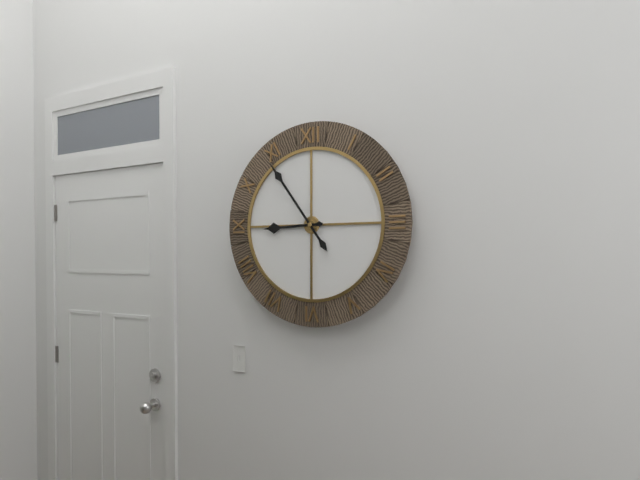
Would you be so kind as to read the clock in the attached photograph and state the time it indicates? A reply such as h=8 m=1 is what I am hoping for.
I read h=8 m=54
